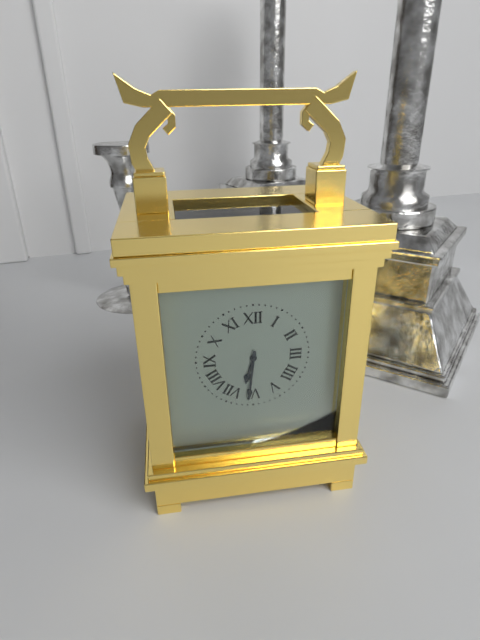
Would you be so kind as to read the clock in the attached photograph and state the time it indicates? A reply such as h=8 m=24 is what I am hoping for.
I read h=6 m=31
